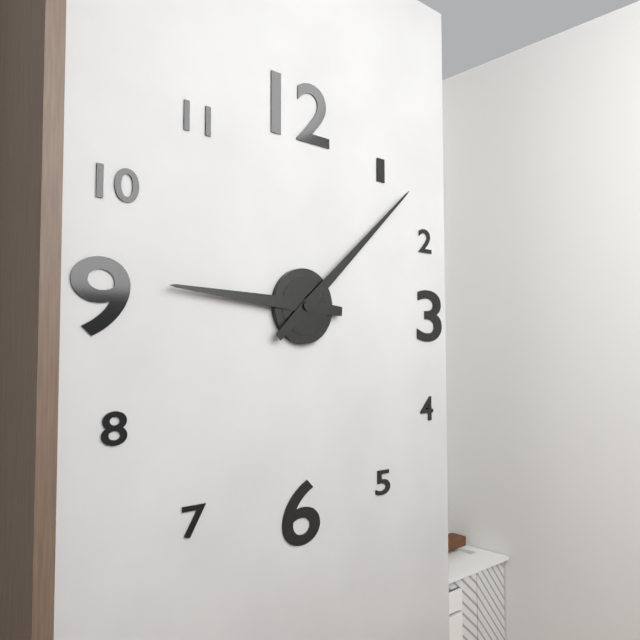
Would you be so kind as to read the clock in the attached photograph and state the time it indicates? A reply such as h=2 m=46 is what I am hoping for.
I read h=9 m=8
